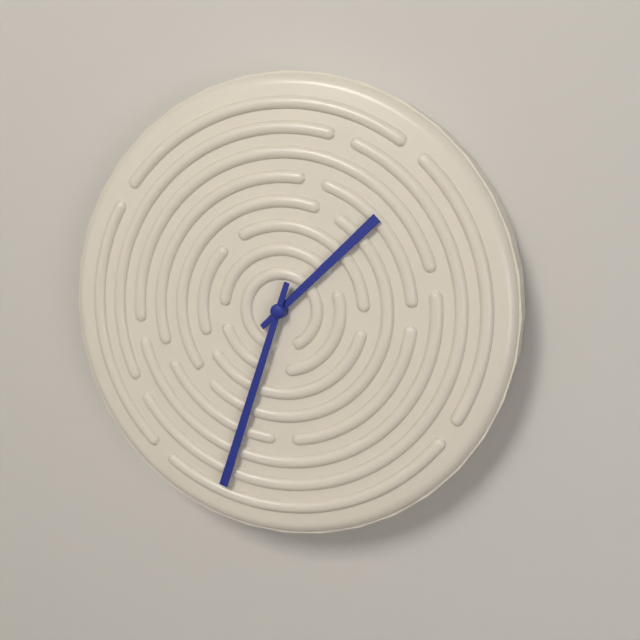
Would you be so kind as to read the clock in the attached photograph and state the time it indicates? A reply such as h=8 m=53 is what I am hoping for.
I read h=1 m=33
